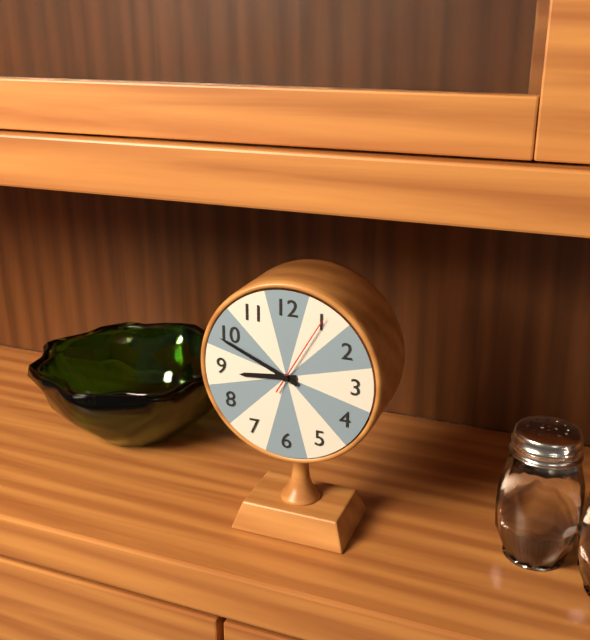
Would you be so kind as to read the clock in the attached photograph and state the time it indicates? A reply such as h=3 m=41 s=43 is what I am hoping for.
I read h=8 m=49 s=5
